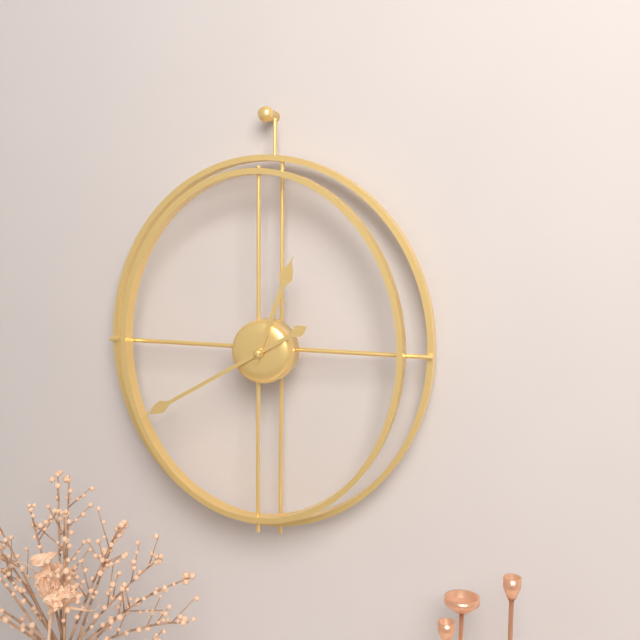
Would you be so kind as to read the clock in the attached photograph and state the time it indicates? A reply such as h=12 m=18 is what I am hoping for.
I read h=12 m=40
